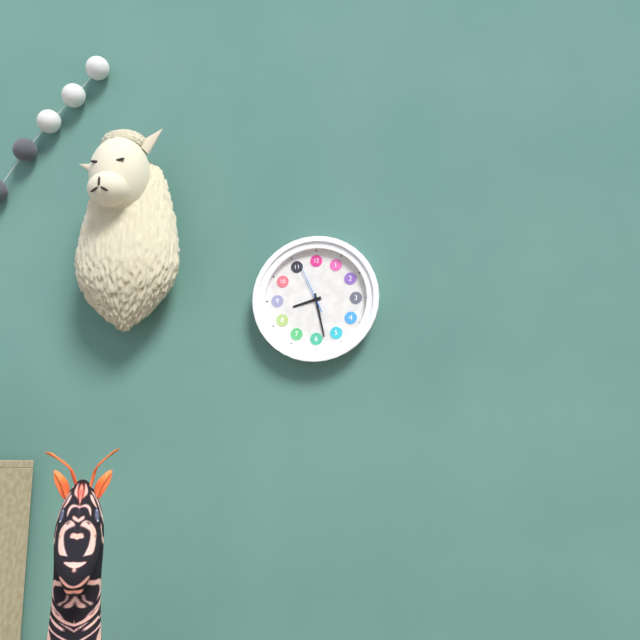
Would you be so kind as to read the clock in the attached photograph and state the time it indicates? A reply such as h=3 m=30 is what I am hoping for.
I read h=8 m=28
